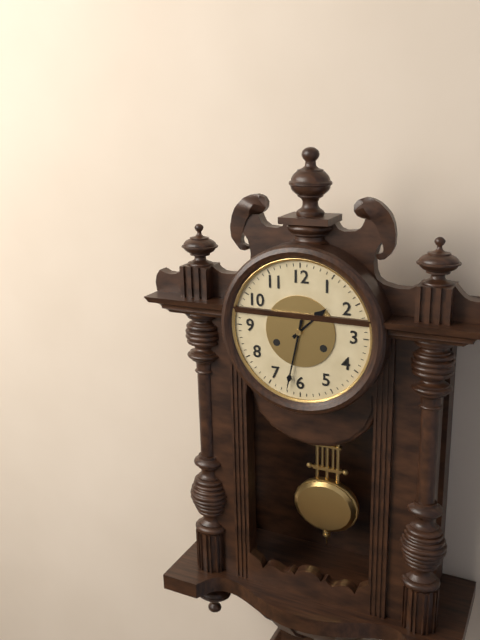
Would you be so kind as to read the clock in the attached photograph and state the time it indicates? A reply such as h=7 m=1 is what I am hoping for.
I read h=1 m=32
